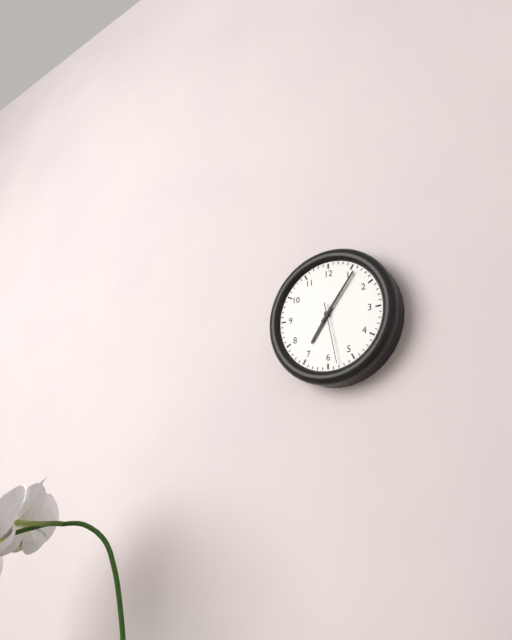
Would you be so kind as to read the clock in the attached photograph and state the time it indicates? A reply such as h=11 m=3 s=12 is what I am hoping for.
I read h=7 m=6 s=28
